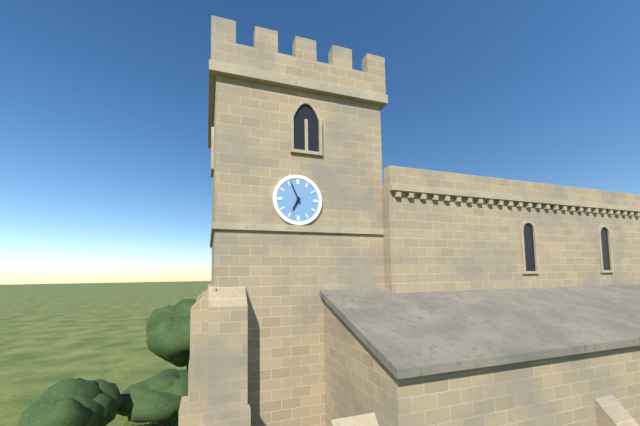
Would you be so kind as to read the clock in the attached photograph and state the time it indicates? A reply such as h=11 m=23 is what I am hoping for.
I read h=6 m=56
